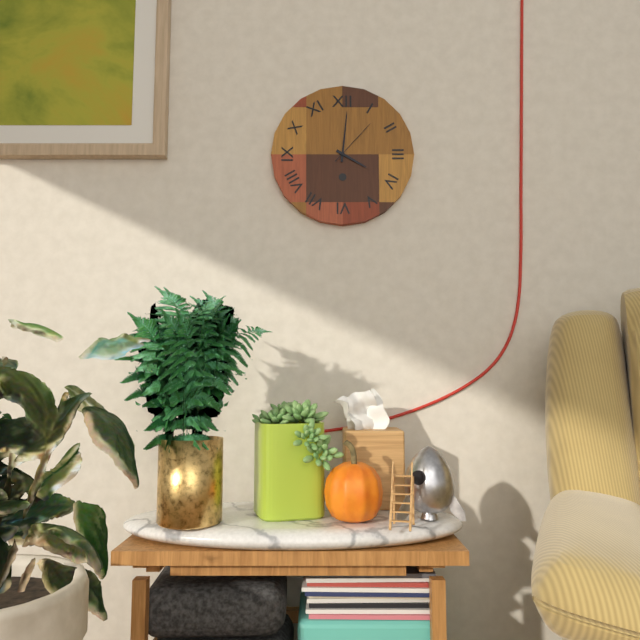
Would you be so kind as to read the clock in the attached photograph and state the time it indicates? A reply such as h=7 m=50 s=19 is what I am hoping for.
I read h=4 m=1 s=7
